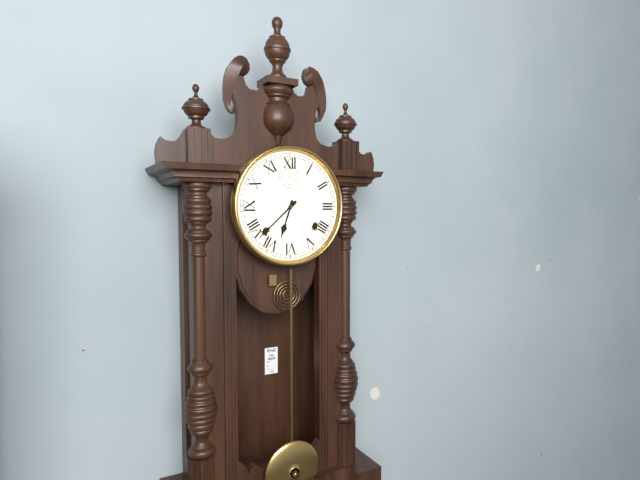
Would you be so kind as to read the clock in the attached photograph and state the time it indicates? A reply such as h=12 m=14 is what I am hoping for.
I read h=6 m=38
